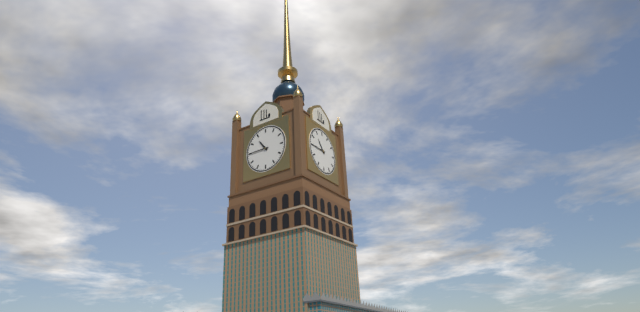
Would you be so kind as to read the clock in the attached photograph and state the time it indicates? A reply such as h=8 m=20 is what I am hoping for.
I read h=10 m=45
